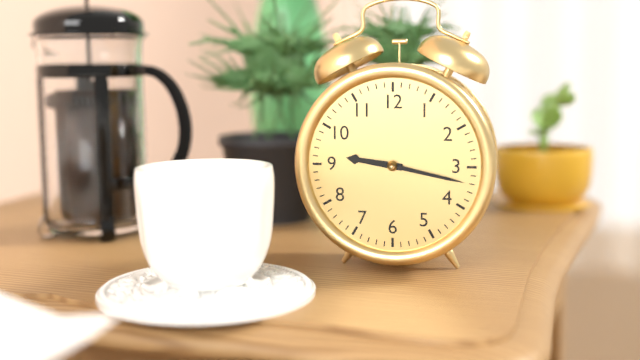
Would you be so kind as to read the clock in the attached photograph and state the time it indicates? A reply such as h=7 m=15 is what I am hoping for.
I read h=9 m=17
